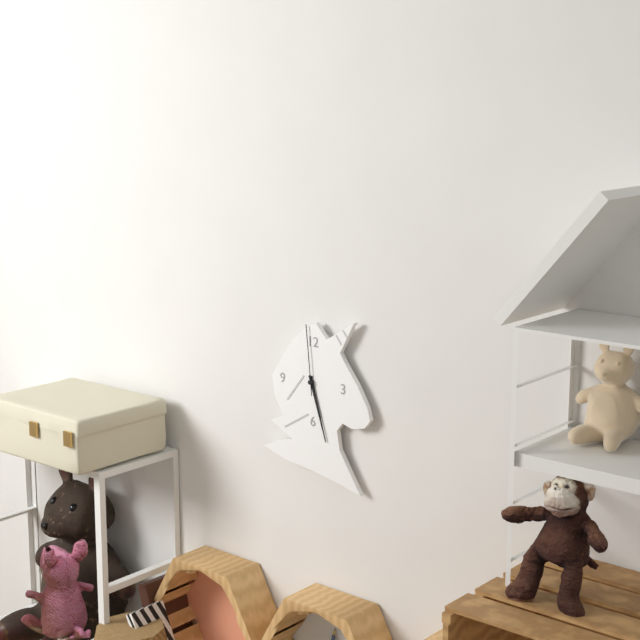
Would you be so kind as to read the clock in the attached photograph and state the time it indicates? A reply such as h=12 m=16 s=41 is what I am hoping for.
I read h=5 m=27 s=59
